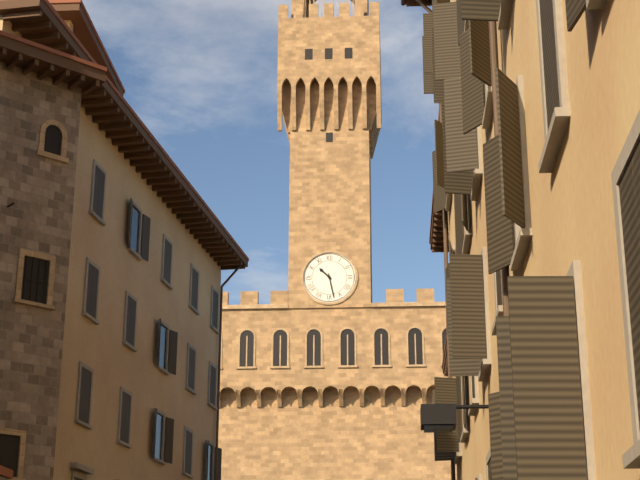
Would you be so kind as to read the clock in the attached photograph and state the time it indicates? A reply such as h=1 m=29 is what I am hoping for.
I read h=10 m=28
